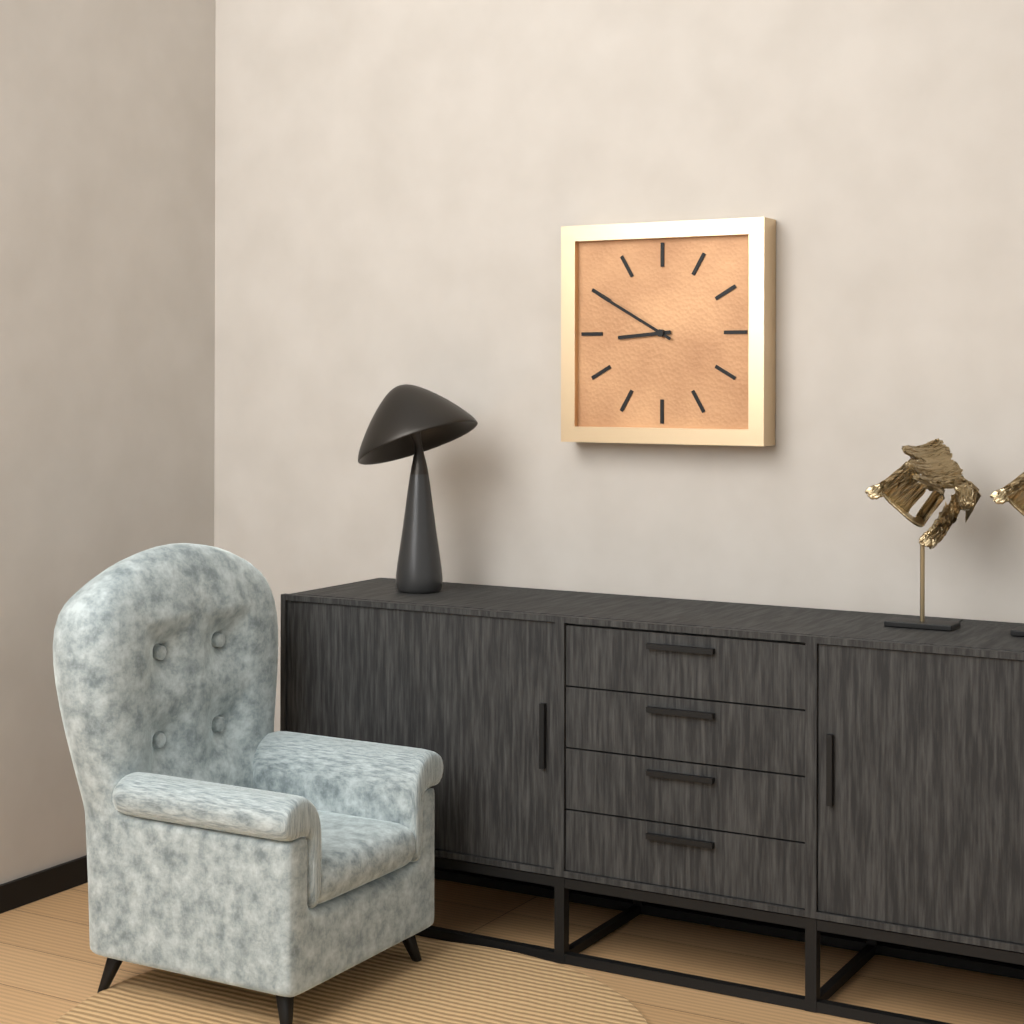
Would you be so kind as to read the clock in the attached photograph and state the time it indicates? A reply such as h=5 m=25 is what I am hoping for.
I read h=8 m=50
